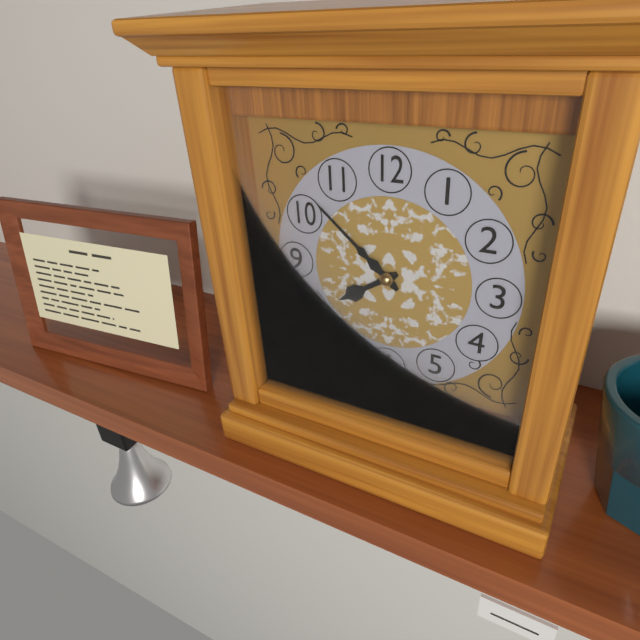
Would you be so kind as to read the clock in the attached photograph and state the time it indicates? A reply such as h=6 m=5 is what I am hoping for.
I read h=7 m=52
